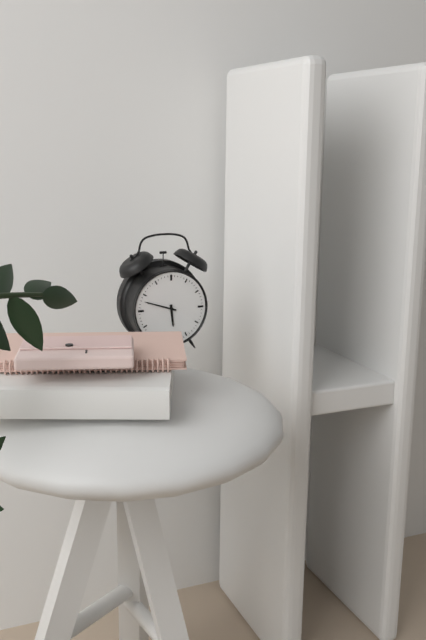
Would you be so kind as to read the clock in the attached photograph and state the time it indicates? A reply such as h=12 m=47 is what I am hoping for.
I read h=5 m=48
